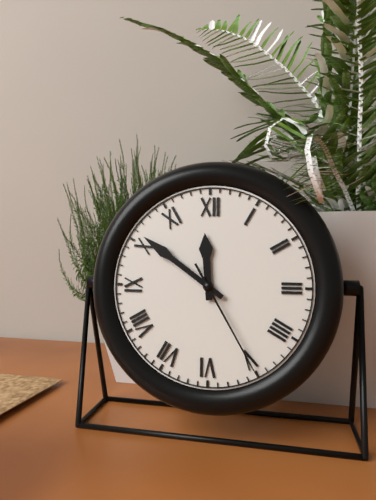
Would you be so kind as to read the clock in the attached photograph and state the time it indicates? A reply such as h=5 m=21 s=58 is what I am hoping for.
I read h=11 m=51 s=25
